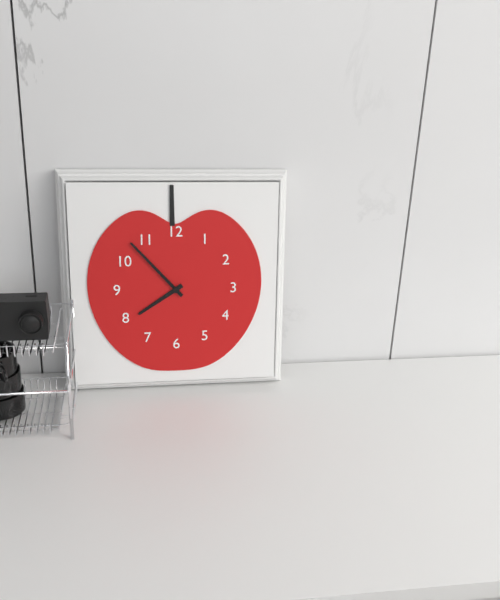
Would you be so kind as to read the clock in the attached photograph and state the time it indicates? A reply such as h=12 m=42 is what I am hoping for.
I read h=7 m=53
